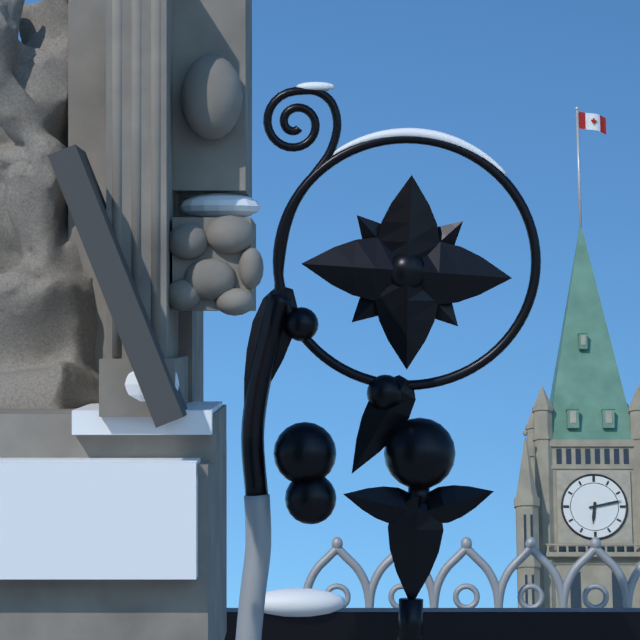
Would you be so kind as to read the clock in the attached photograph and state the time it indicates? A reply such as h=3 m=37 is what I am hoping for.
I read h=6 m=13
